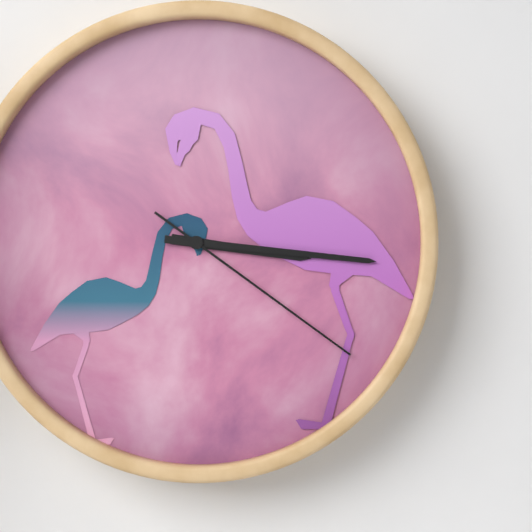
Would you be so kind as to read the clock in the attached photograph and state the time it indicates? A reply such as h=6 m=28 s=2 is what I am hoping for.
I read h=3 m=16 s=21
